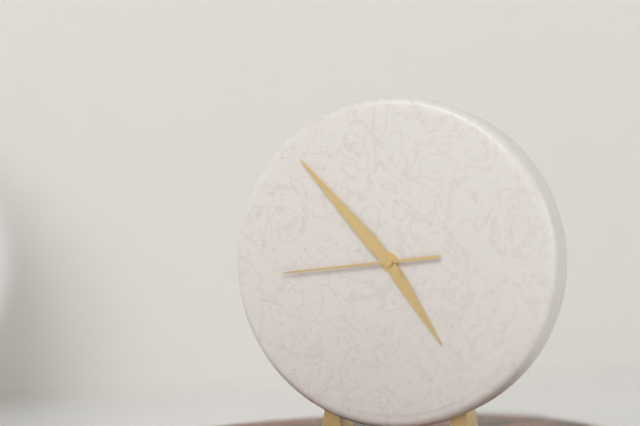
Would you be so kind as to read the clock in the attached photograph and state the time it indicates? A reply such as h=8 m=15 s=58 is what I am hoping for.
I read h=4 m=53 s=44
